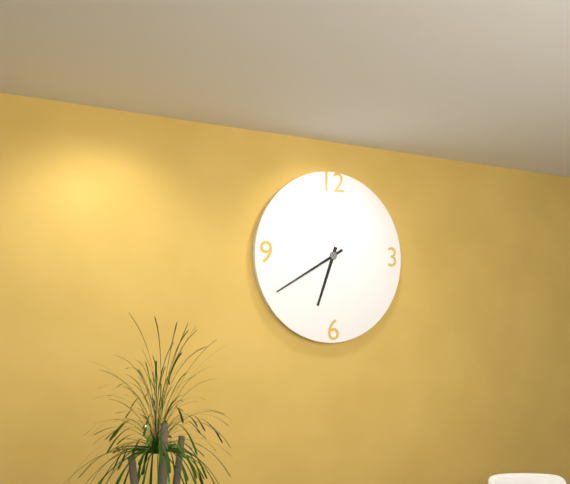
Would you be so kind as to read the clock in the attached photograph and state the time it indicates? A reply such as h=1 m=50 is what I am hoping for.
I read h=6 m=40
